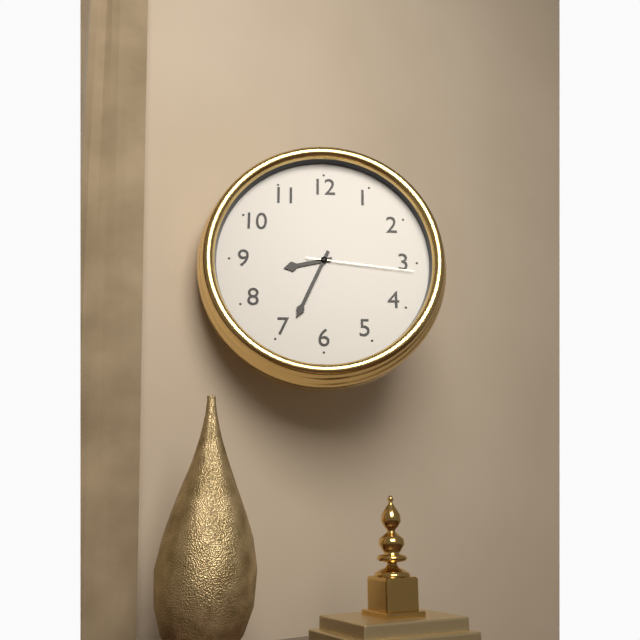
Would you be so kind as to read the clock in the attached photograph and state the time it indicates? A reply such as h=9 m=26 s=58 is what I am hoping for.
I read h=8 m=34 s=16
